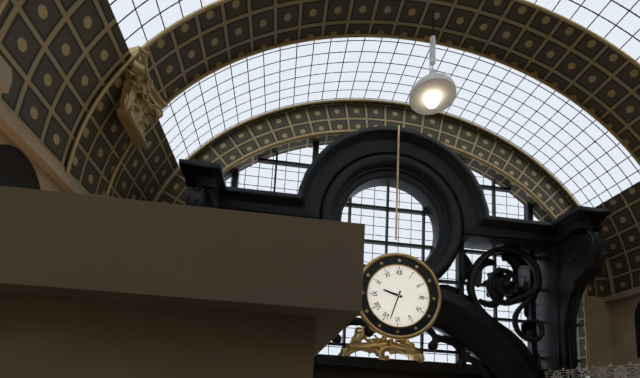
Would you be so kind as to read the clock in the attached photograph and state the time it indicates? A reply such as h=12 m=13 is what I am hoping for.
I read h=9 m=33
